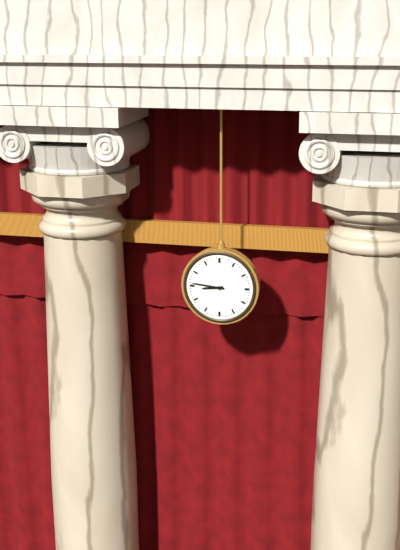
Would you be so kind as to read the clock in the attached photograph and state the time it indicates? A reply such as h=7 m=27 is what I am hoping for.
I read h=8 m=46
